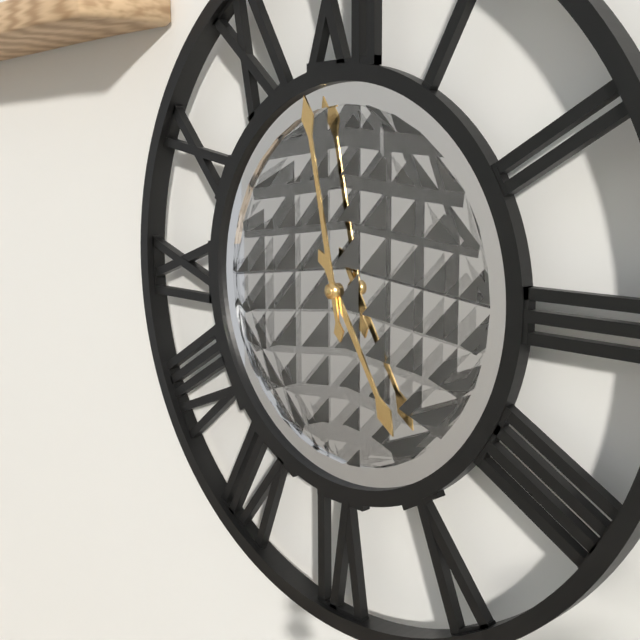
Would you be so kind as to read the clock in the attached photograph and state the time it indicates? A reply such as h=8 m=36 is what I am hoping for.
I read h=4 m=58
